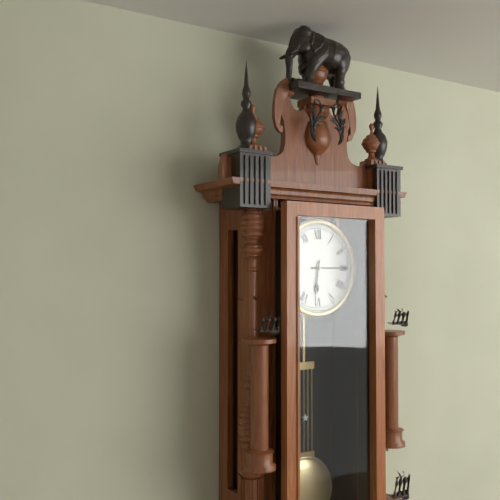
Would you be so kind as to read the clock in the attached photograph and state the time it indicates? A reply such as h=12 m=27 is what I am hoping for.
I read h=6 m=15
